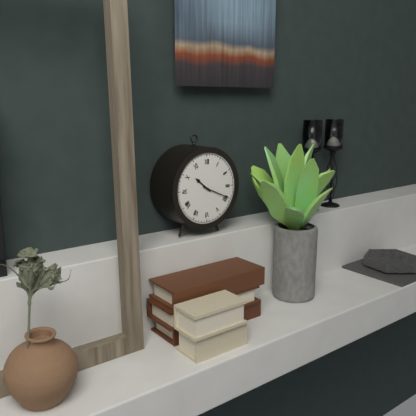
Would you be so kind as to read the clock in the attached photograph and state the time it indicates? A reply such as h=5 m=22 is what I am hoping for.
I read h=10 m=19
